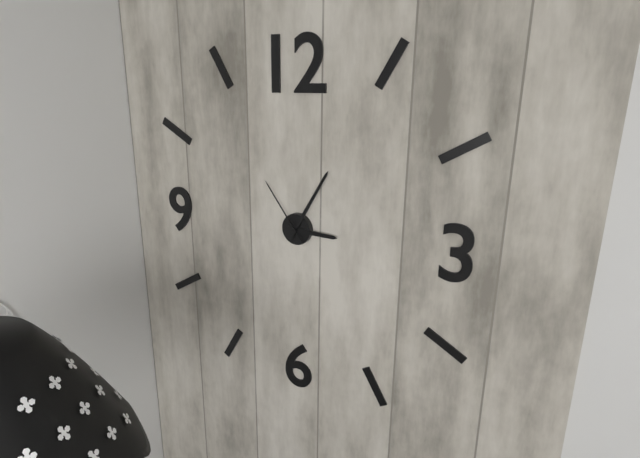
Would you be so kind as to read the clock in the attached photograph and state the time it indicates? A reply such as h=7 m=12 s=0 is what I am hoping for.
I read h=3 m=5 s=54
